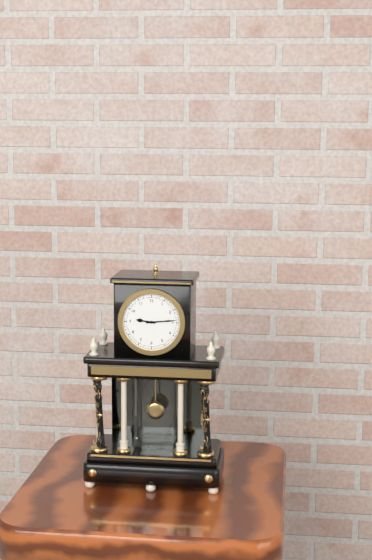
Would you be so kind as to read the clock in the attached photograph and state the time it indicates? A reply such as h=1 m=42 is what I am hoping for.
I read h=9 m=14
